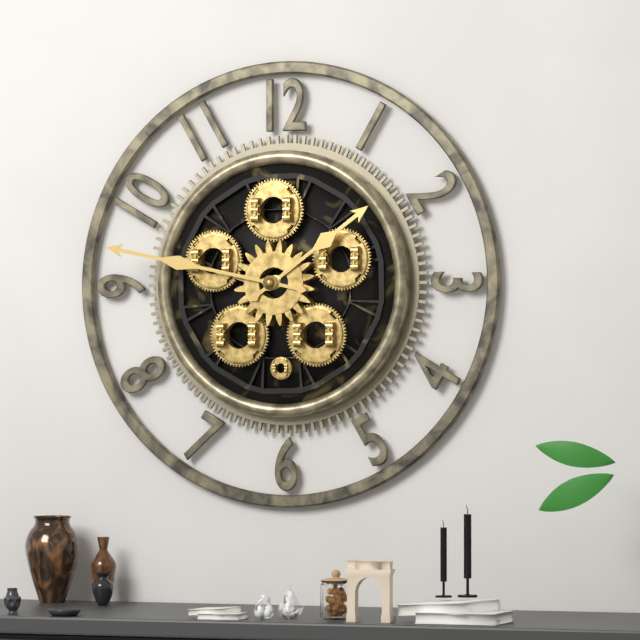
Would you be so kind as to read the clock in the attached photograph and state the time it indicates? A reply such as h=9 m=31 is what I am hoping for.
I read h=1 m=47
